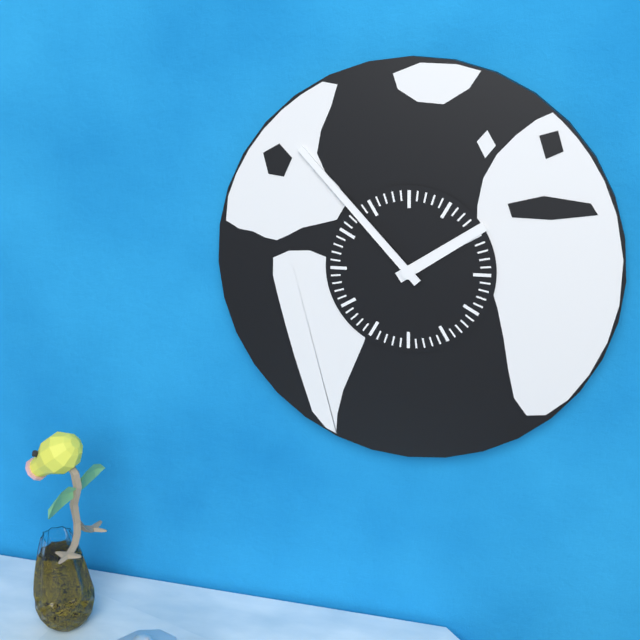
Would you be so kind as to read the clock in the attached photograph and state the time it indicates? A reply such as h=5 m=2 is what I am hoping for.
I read h=1 m=53
